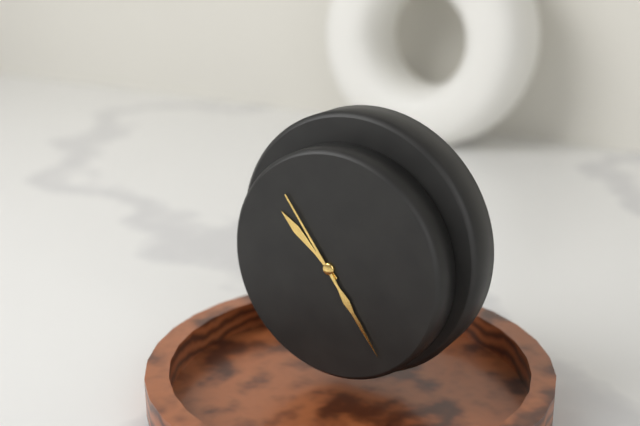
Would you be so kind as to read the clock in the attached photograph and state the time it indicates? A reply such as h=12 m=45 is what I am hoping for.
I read h=10 m=24
